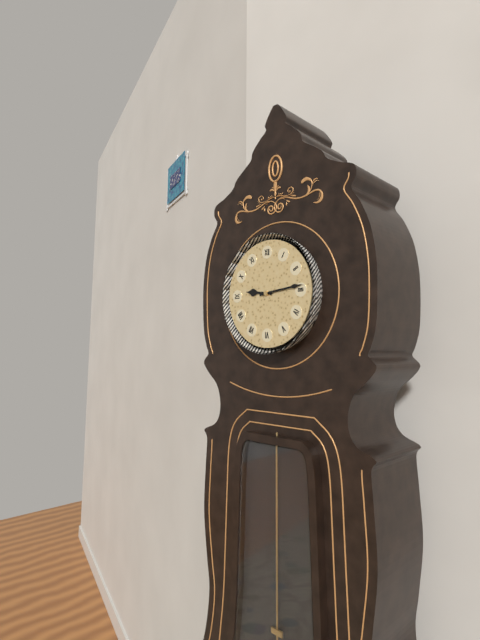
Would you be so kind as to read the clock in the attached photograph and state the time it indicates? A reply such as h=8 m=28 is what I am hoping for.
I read h=9 m=14
